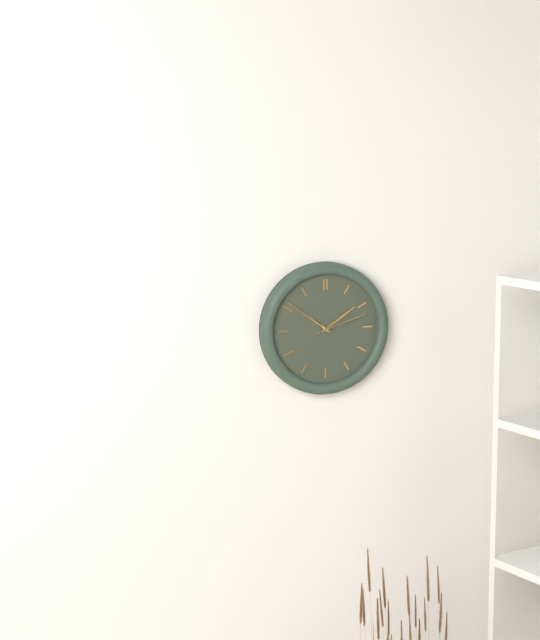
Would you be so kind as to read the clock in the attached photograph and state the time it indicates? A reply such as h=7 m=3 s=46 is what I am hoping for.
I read h=1 m=51 s=12
